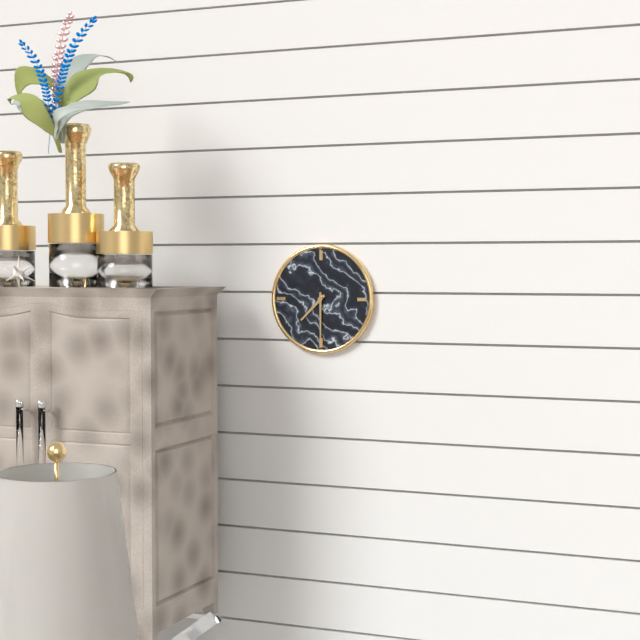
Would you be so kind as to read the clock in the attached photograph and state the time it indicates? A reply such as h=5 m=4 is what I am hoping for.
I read h=7 m=30
